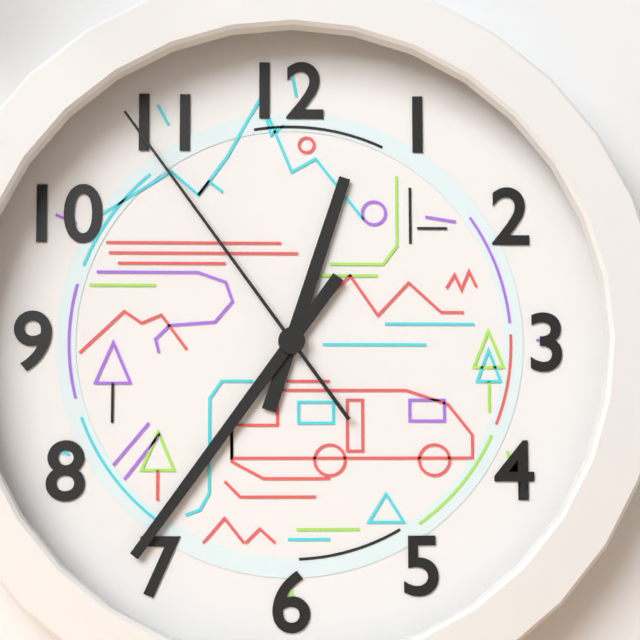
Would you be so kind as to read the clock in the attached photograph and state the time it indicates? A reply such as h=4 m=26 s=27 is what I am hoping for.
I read h=12 m=36 s=54
